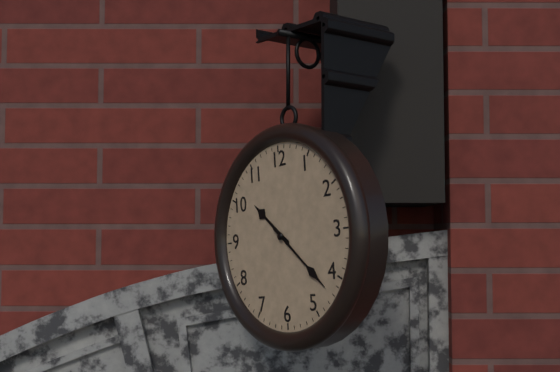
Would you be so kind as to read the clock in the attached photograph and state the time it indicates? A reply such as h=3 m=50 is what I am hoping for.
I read h=10 m=22
